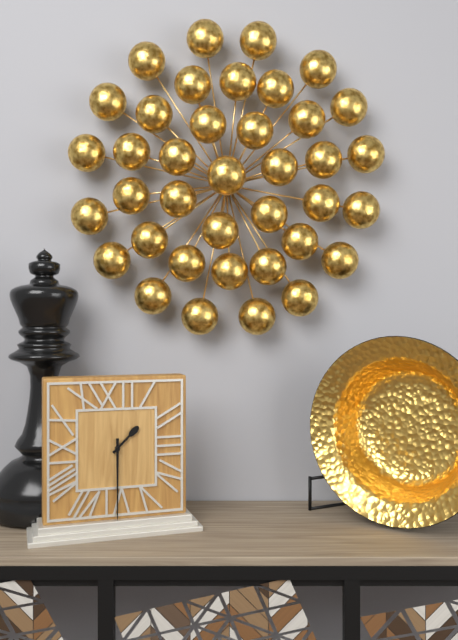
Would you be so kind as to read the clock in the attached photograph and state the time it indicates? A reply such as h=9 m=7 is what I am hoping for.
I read h=1 m=30
